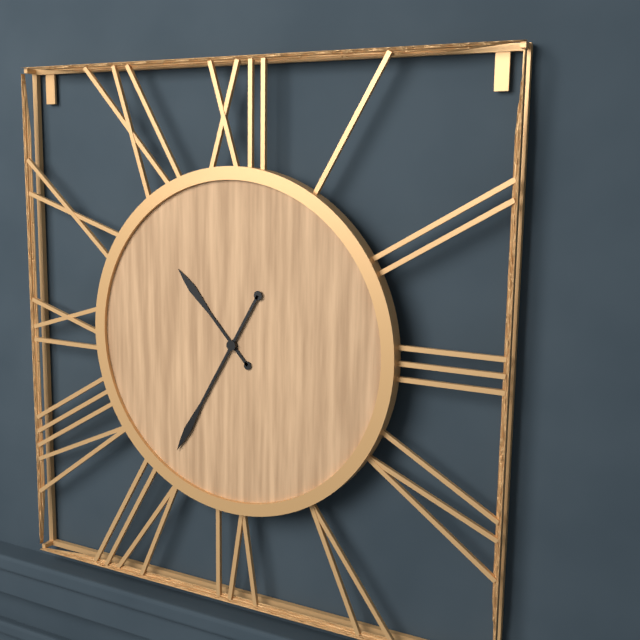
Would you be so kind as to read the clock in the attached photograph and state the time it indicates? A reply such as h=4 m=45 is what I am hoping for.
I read h=10 m=35
